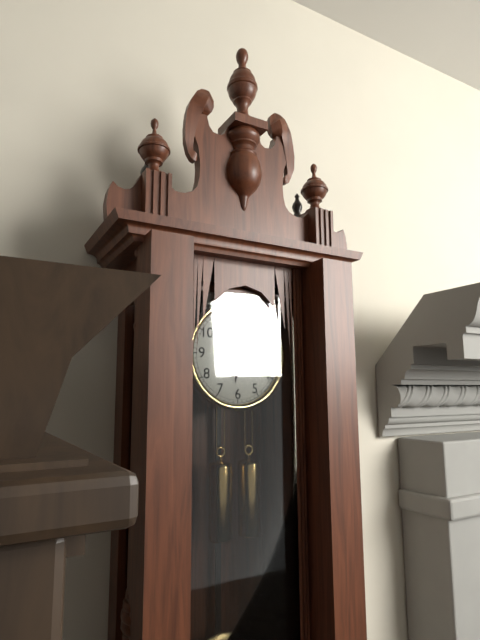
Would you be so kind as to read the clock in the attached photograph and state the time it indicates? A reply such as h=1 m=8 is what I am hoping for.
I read h=6 m=12
